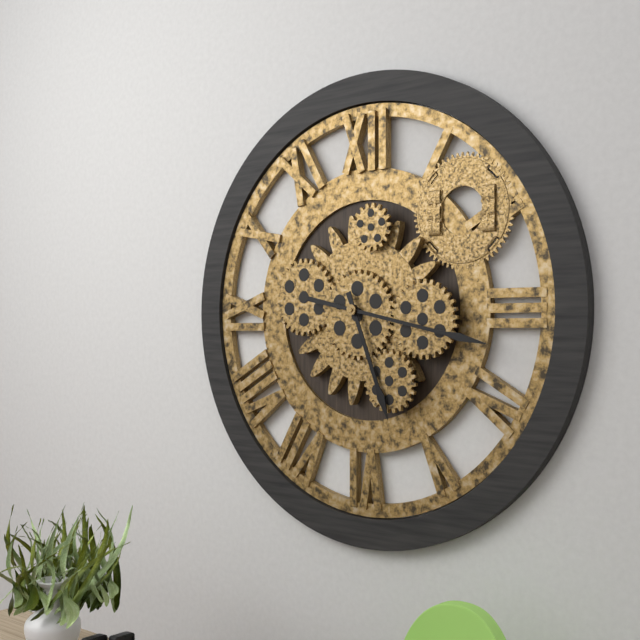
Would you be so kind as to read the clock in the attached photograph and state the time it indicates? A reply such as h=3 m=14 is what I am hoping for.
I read h=5 m=17
